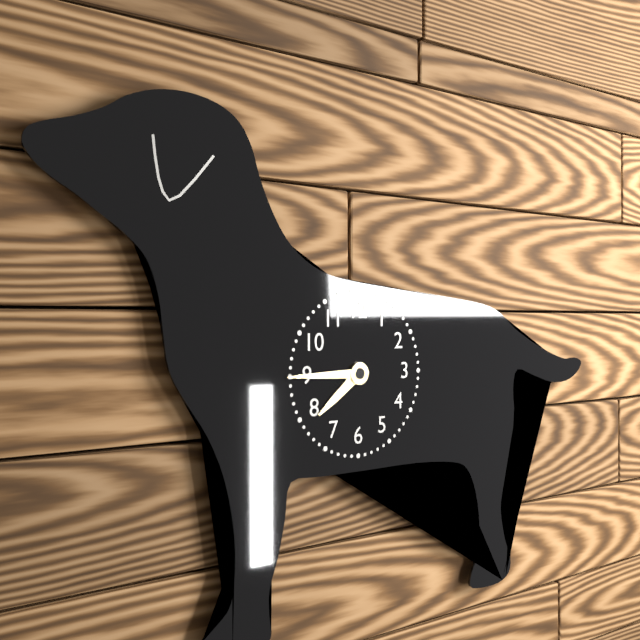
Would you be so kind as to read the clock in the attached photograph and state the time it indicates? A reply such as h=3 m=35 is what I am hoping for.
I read h=7 m=45
